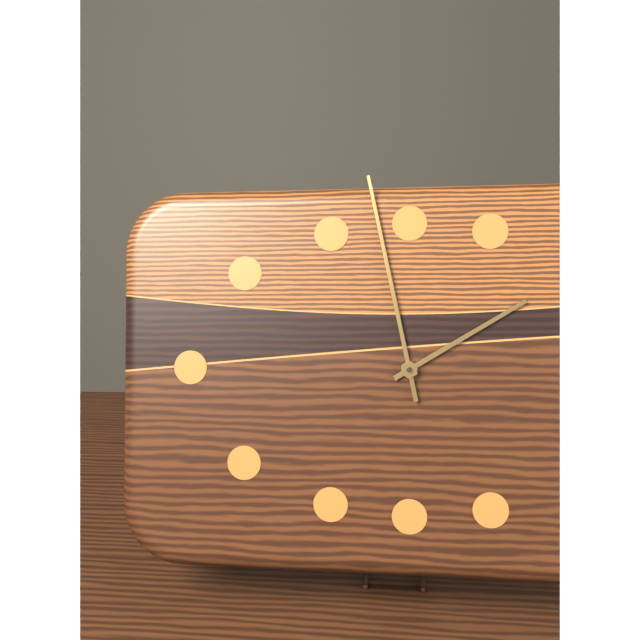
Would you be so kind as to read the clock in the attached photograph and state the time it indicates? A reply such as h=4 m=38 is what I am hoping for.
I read h=1 m=58
